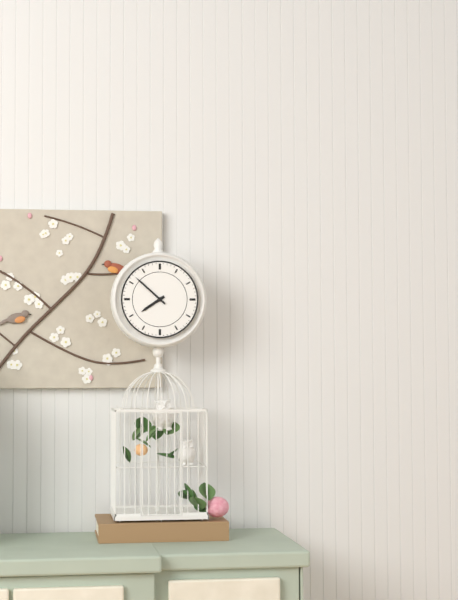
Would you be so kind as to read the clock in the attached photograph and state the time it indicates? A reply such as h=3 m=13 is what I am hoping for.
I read h=7 m=52
